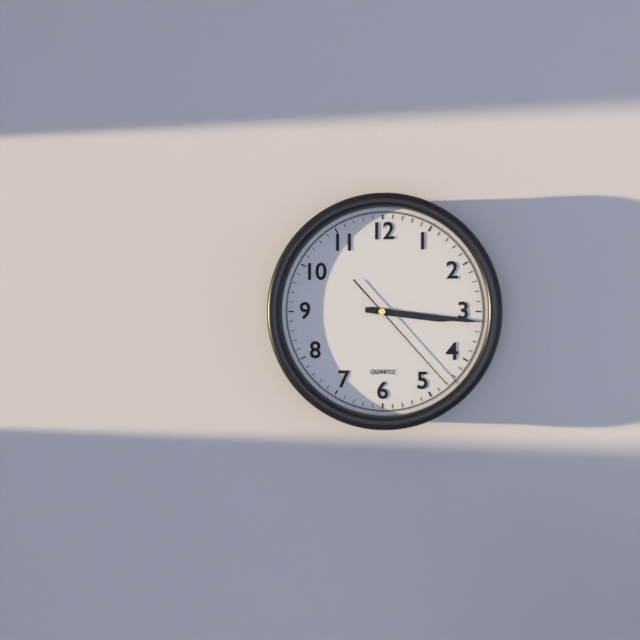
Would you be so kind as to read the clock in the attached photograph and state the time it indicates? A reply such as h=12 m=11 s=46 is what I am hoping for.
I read h=3 m=16 s=23
